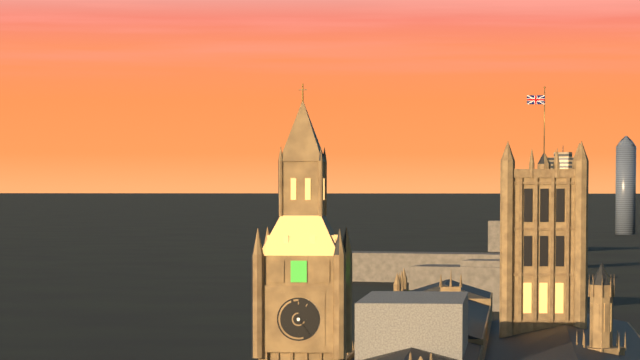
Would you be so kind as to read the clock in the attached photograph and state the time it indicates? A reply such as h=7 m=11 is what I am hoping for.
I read h=3 m=24
